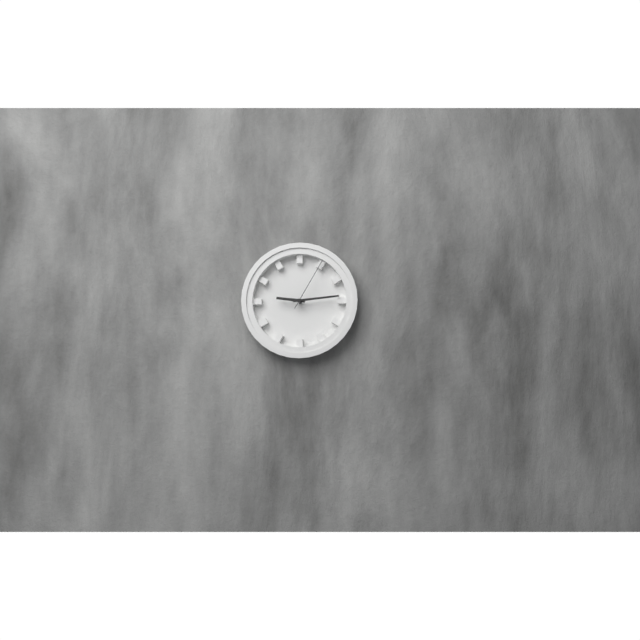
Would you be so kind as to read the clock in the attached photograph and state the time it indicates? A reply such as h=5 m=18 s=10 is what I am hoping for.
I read h=9 m=14 s=5
